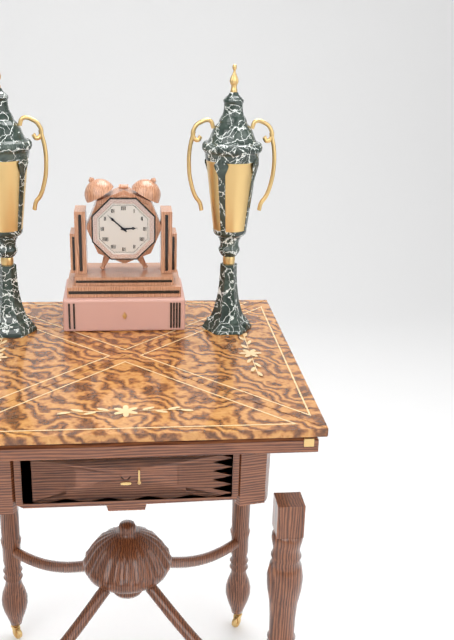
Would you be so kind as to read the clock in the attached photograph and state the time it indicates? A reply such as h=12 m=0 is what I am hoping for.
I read h=2 m=52
